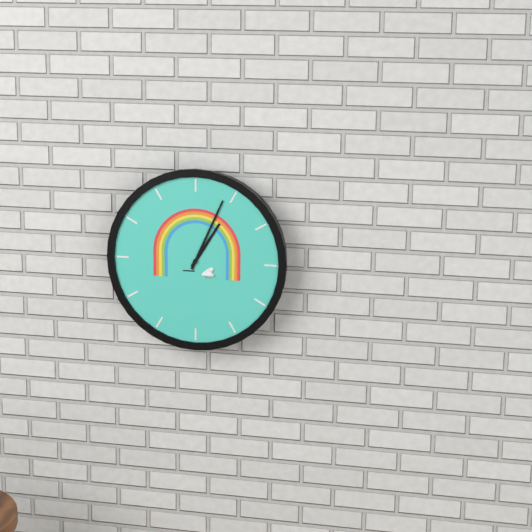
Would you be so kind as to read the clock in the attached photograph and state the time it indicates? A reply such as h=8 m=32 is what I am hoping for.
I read h=1 m=4
